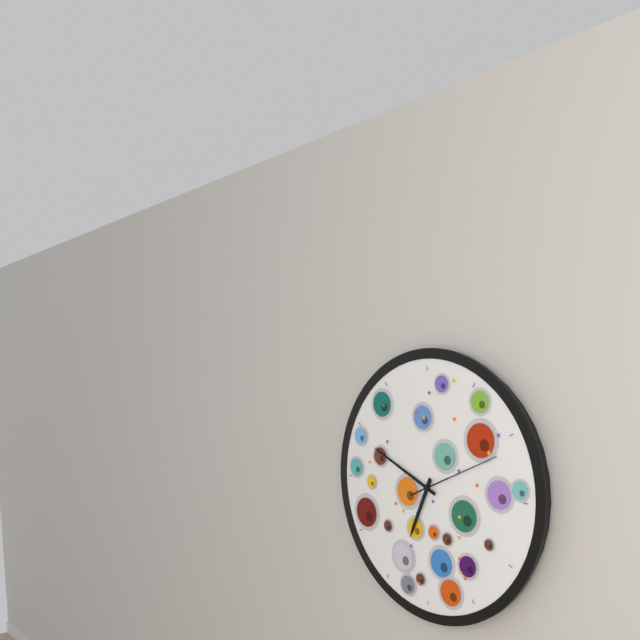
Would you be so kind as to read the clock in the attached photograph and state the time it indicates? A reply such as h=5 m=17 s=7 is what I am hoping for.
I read h=6 m=49 s=11
